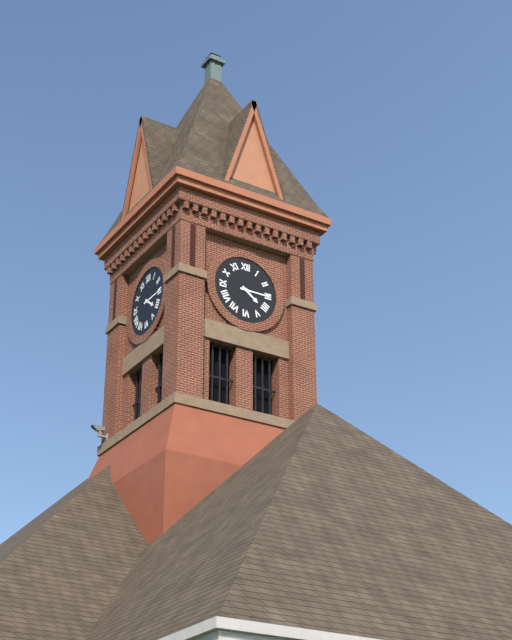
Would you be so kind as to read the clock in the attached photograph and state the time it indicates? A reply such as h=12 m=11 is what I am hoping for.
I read h=4 m=15
